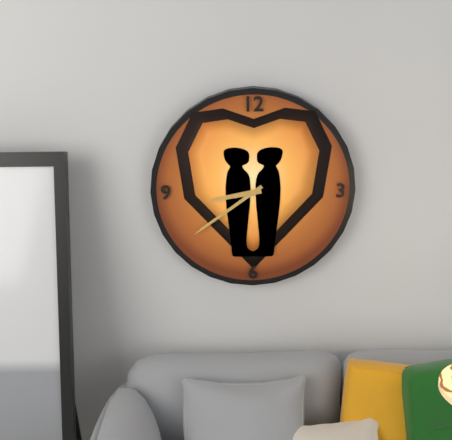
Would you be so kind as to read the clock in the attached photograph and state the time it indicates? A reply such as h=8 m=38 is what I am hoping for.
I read h=8 m=39
